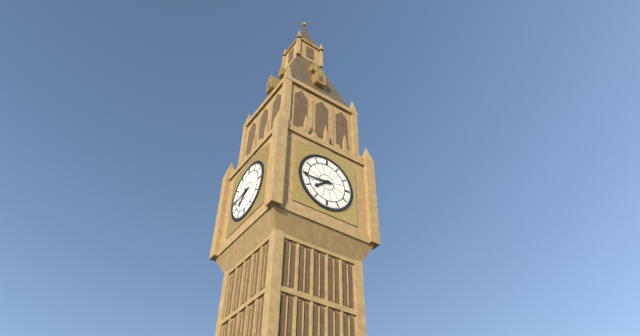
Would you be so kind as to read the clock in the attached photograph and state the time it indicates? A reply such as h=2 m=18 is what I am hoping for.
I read h=7 m=44
